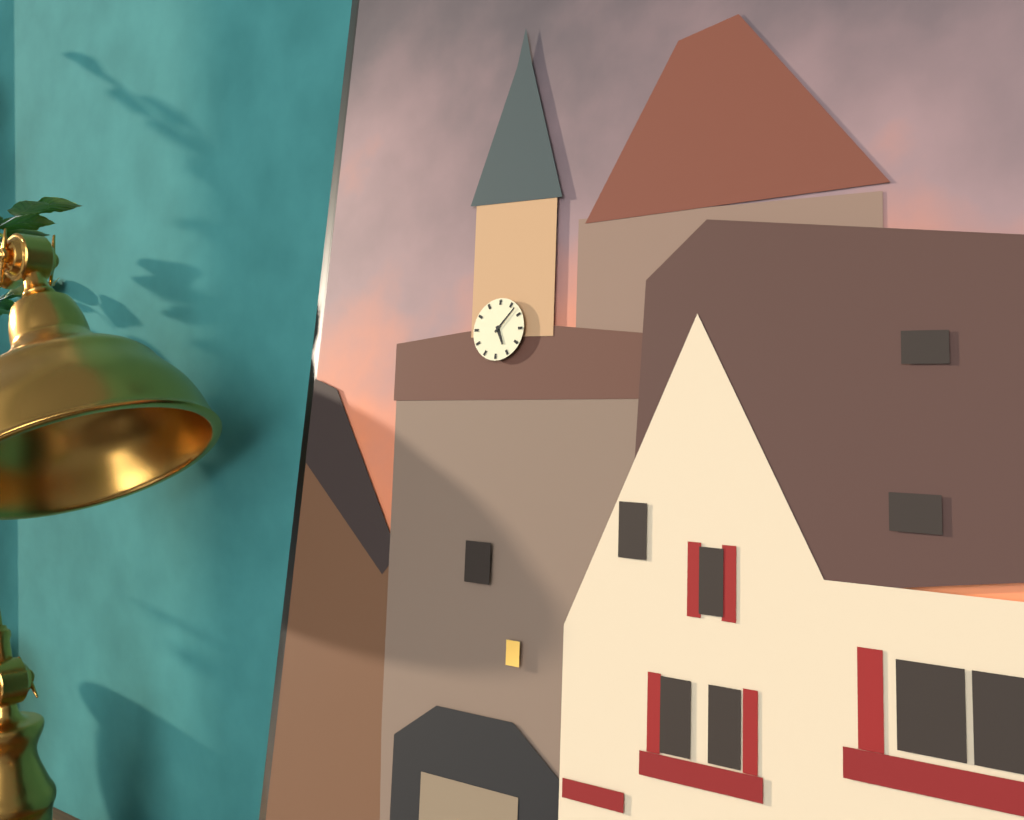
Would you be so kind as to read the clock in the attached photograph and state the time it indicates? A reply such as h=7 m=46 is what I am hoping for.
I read h=5 m=7
